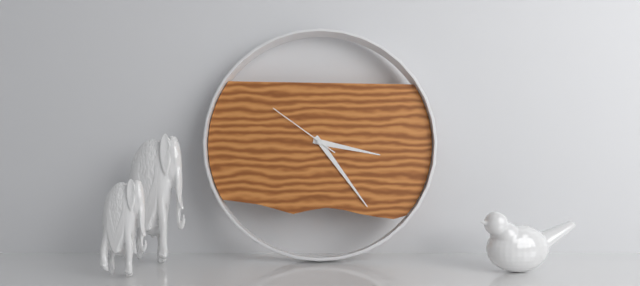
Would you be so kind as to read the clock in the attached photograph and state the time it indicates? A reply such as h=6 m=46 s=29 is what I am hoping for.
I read h=3 m=24 s=51
